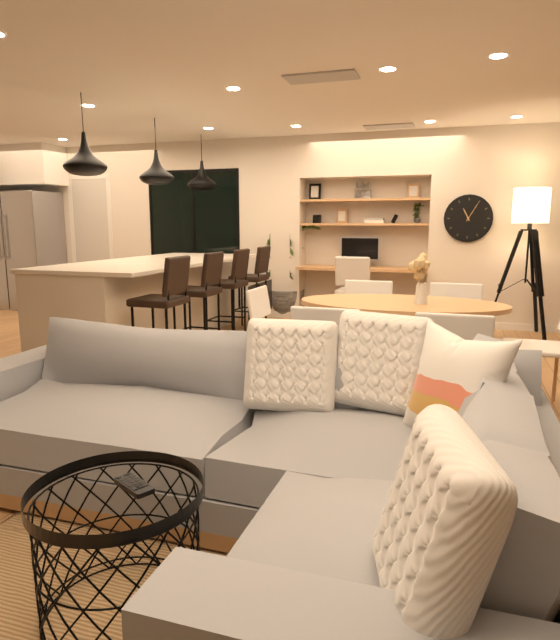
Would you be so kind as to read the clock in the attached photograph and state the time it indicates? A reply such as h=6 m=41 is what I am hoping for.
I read h=11 m=5
